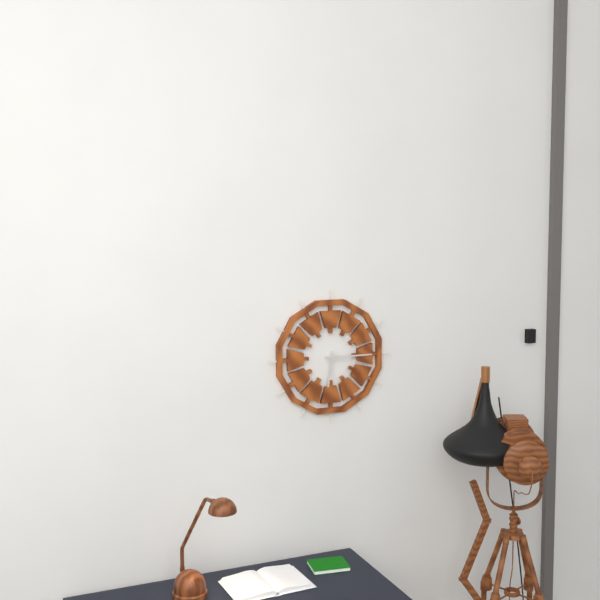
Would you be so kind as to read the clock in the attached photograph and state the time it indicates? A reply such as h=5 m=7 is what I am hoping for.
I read h=6 m=15
